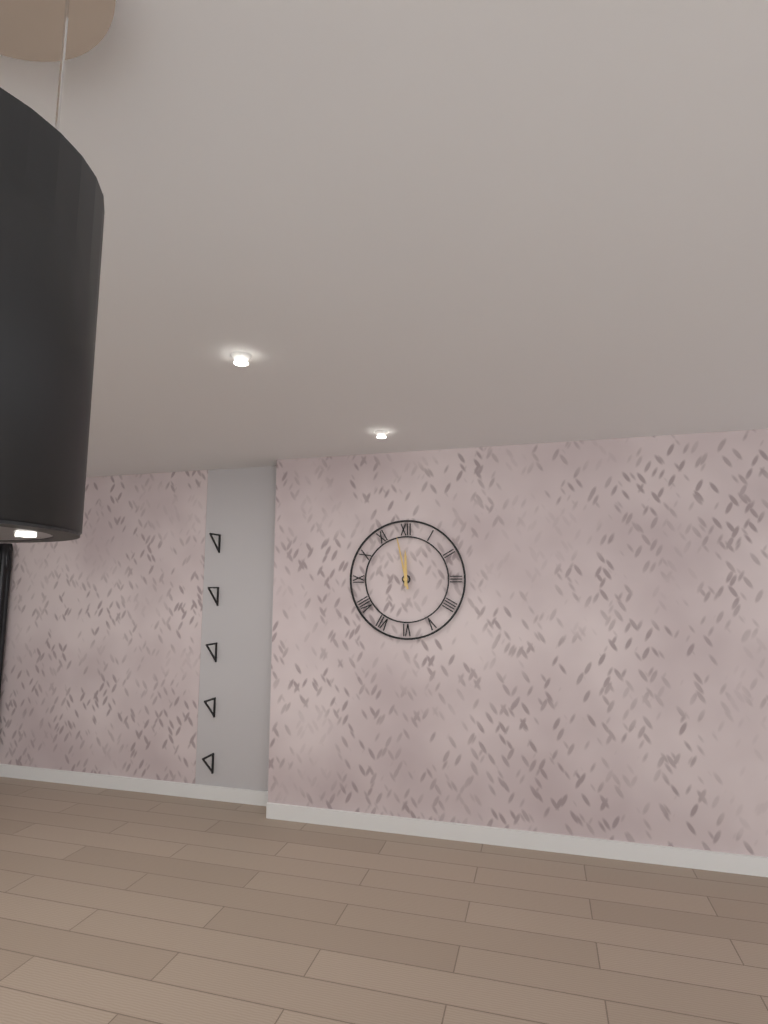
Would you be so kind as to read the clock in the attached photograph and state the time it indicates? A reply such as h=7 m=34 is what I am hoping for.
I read h=11 m=58
